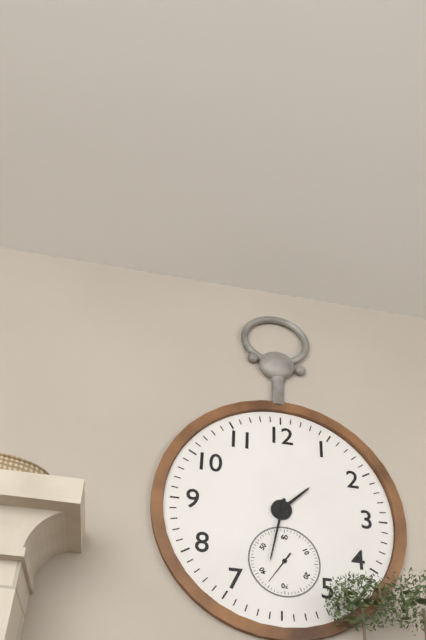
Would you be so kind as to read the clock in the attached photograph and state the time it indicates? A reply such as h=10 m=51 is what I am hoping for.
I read h=1 m=32
